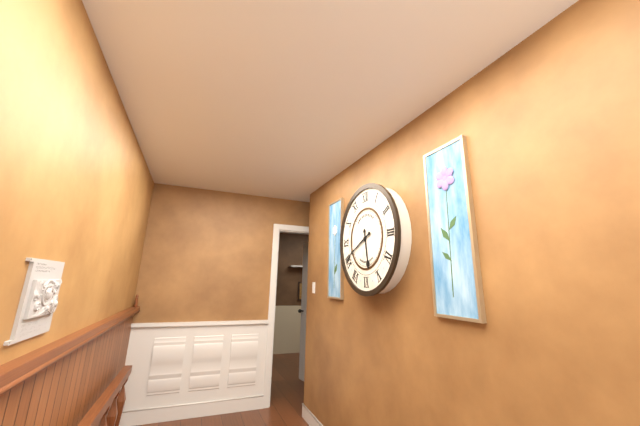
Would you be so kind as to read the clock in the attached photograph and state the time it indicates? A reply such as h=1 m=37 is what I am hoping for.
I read h=5 m=41
